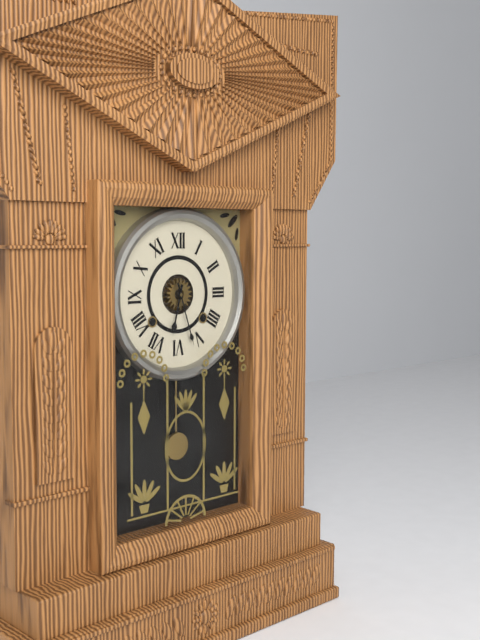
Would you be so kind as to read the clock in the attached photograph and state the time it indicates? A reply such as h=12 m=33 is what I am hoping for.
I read h=6 m=27
